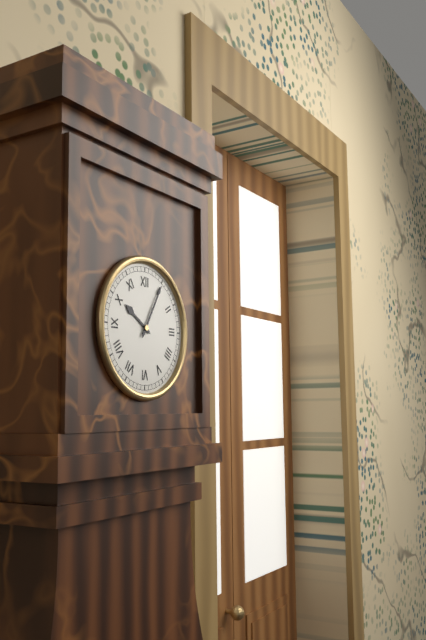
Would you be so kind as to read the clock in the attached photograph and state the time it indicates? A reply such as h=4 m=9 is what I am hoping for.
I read h=10 m=5
